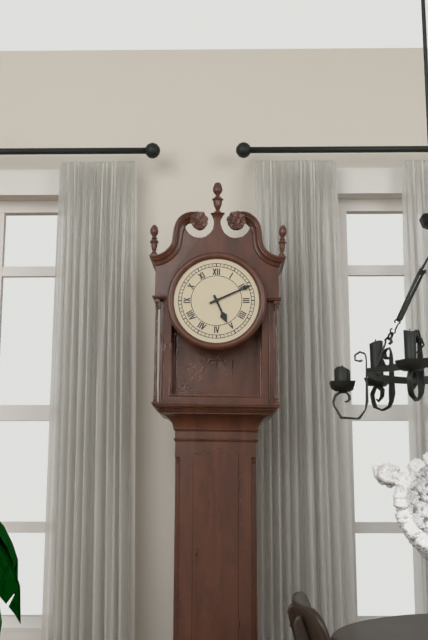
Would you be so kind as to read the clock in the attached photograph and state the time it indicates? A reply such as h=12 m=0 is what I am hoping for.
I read h=5 m=11
